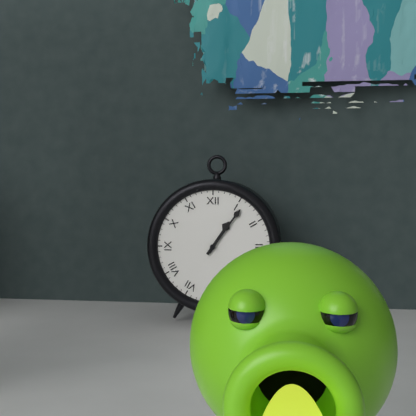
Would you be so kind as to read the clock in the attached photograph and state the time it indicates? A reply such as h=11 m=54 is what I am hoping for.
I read h=1 m=6
